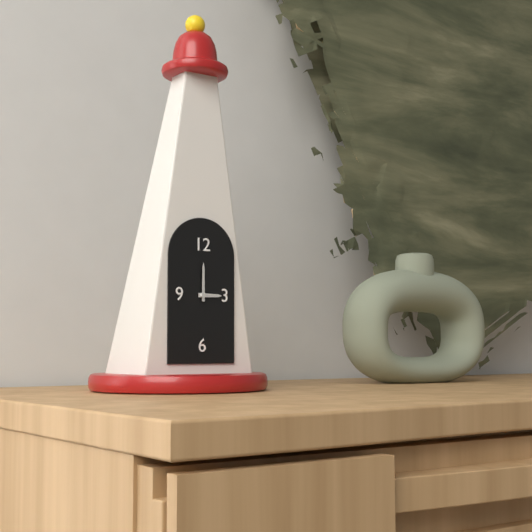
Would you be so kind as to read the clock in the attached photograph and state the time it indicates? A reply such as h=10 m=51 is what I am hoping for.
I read h=3 m=0
